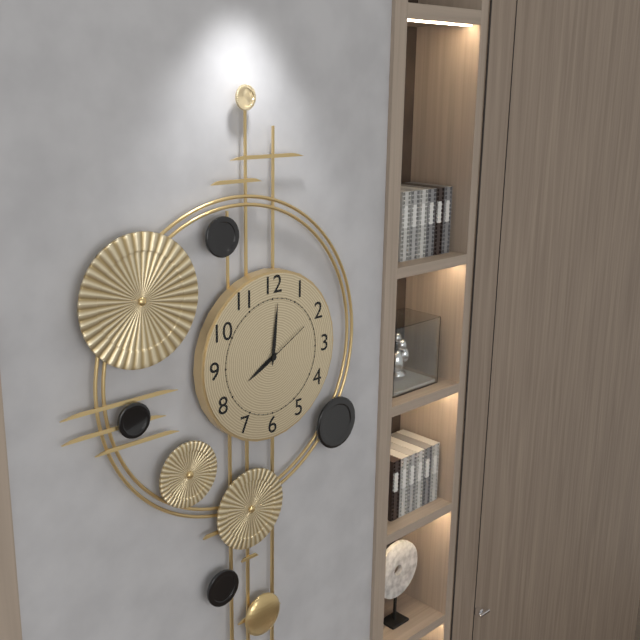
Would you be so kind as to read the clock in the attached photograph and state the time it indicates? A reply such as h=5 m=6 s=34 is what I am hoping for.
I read h=8 m=1 s=10
